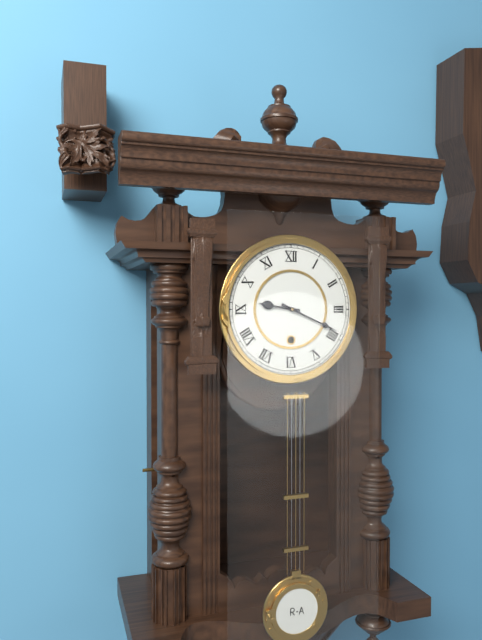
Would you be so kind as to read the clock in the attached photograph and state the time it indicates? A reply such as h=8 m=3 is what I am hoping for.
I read h=9 m=19
